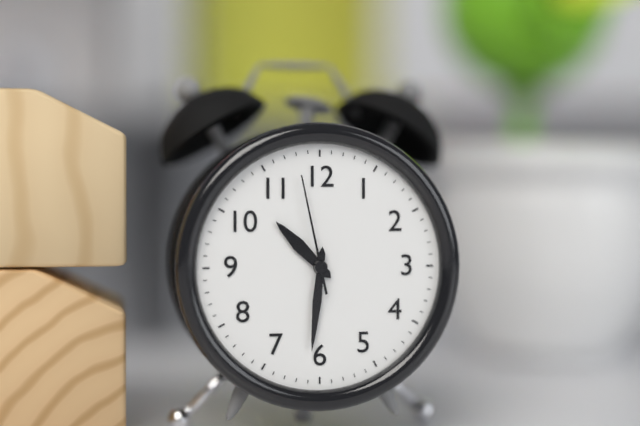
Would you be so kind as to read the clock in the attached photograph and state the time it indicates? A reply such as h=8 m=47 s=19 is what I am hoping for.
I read h=10 m=31 s=58
